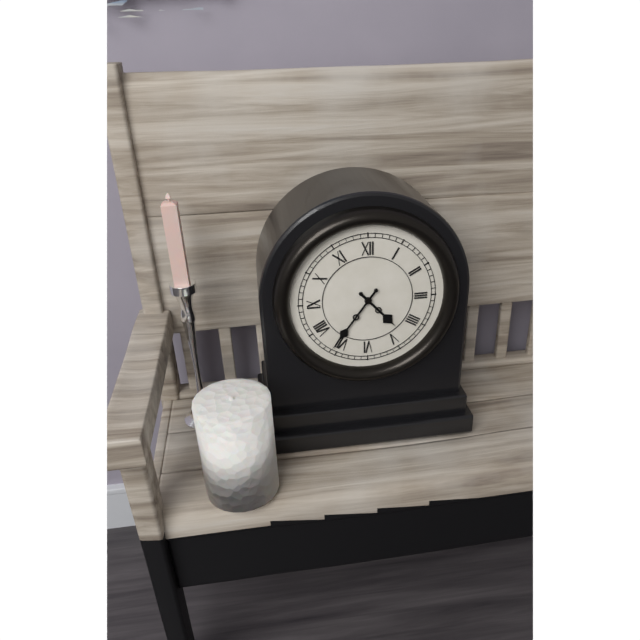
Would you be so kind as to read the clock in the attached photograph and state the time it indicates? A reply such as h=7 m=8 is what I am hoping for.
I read h=4 m=36
